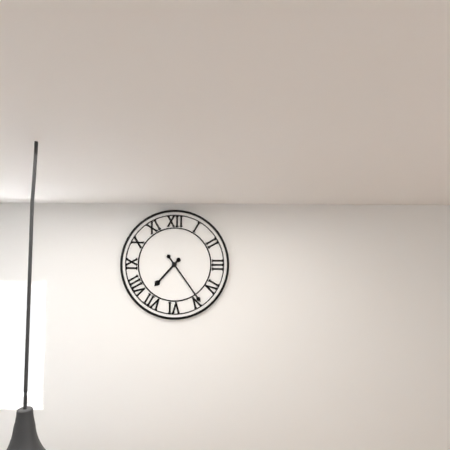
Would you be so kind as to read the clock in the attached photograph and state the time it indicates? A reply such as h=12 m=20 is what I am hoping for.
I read h=7 m=24
